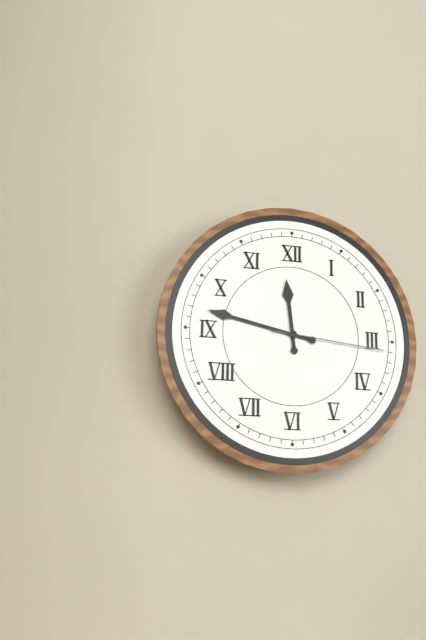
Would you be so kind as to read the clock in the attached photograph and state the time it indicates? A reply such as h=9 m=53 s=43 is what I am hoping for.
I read h=11 m=47 s=16
